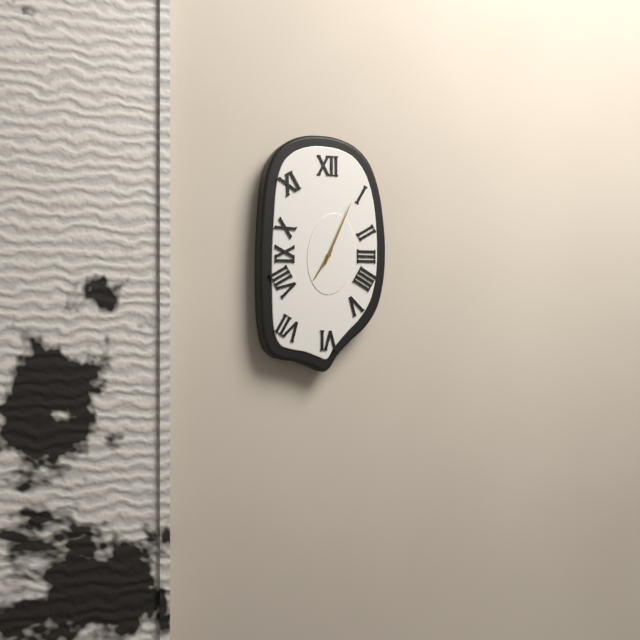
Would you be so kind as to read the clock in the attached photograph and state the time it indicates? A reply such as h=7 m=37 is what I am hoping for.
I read h=7 m=4
